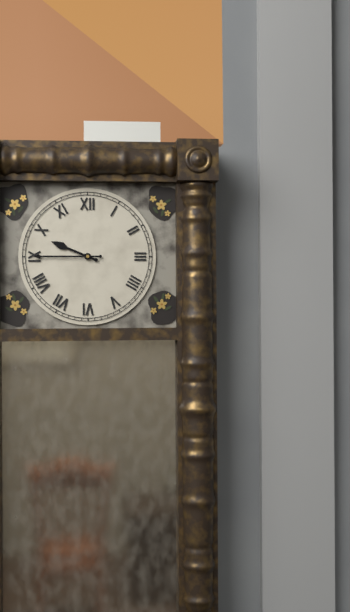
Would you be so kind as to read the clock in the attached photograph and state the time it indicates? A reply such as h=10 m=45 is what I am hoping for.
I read h=9 m=45
